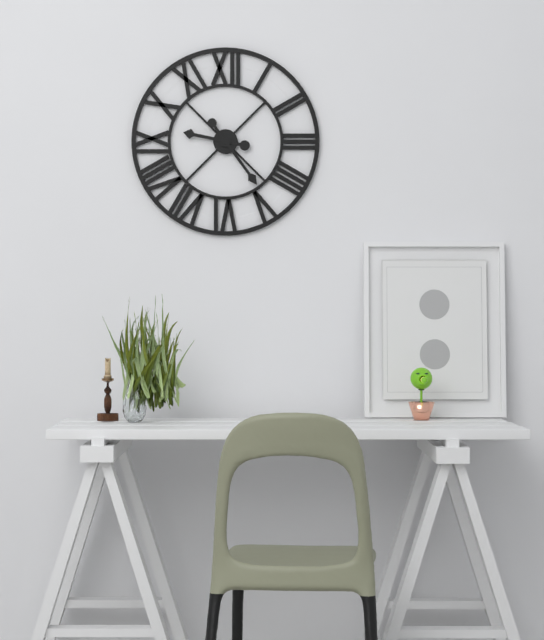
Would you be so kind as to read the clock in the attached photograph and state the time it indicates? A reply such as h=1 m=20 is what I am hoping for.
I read h=9 m=24
